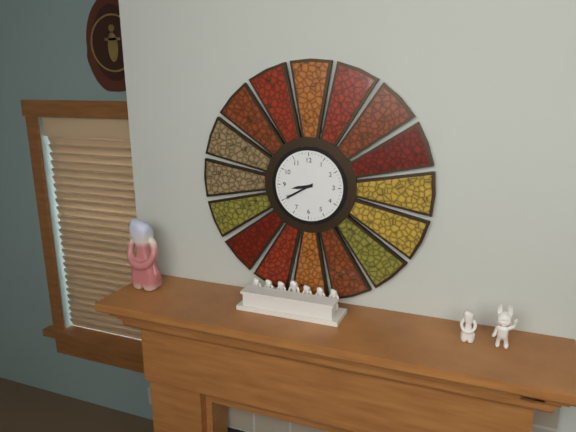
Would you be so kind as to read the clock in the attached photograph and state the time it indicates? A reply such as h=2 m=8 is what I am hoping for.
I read h=8 m=40
